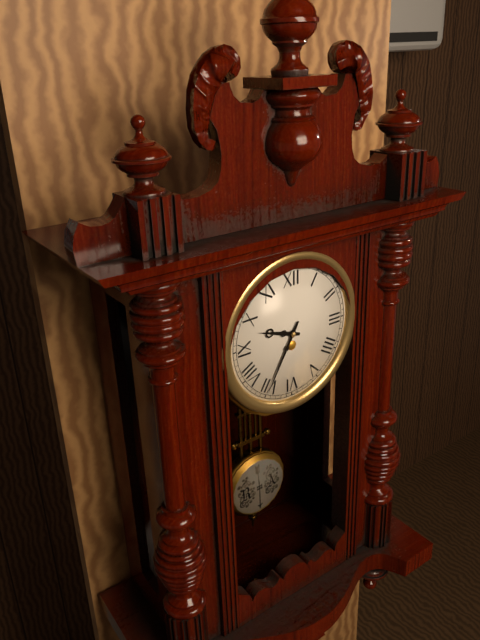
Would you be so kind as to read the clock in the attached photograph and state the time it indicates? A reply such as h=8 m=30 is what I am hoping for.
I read h=9 m=35
